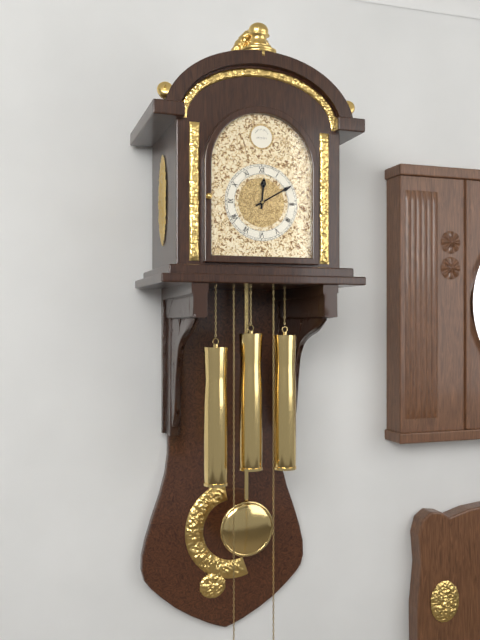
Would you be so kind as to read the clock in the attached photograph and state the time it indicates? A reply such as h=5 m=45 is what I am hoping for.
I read h=12 m=10
